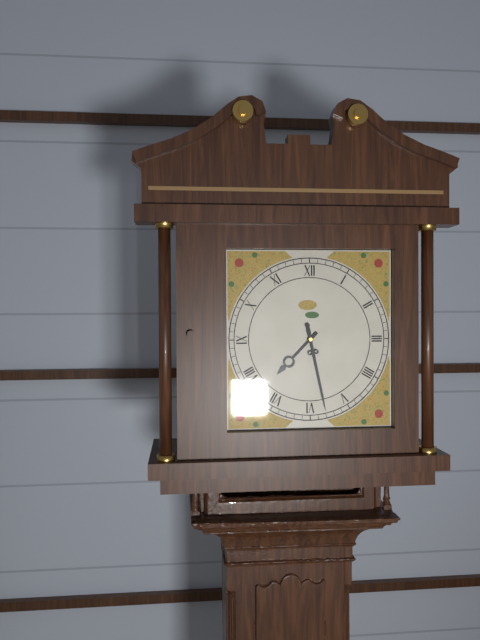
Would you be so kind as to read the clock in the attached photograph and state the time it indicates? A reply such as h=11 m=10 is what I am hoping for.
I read h=7 m=28
